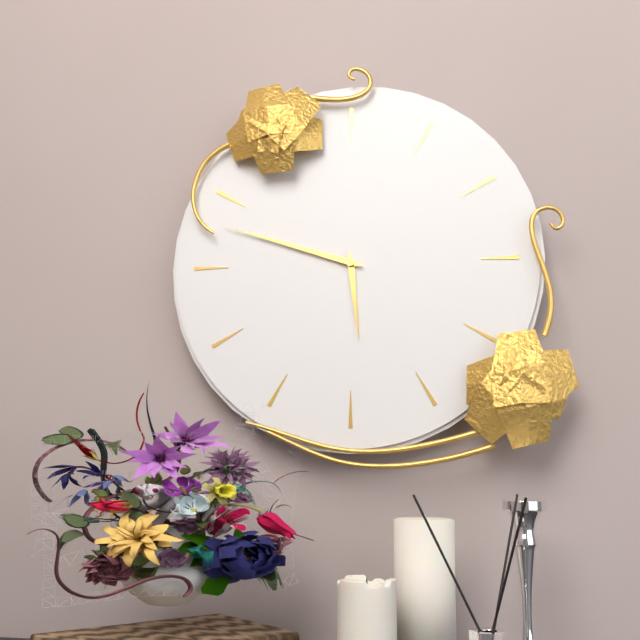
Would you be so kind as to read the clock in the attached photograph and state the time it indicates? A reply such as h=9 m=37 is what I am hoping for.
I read h=5 m=48
